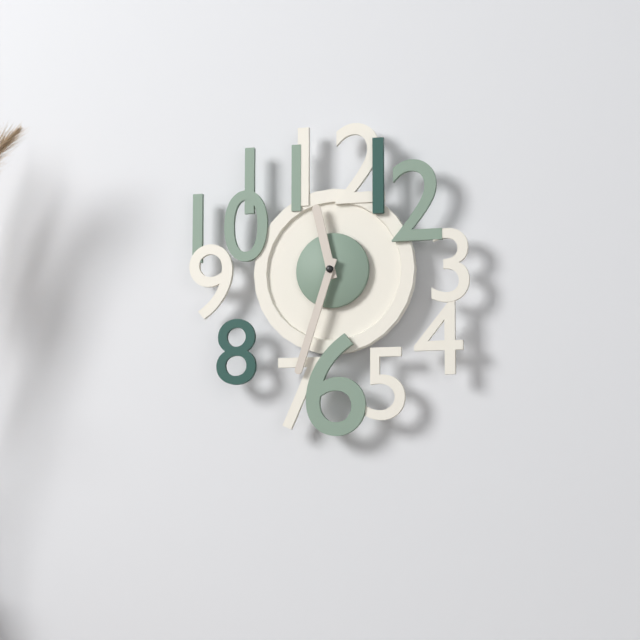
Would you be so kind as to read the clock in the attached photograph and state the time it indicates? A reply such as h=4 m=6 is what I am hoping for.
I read h=11 m=33
